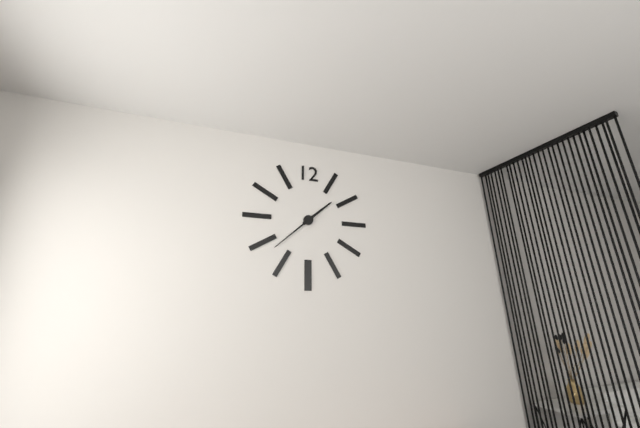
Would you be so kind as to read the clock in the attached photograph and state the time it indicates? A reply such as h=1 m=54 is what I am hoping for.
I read h=1 m=38
